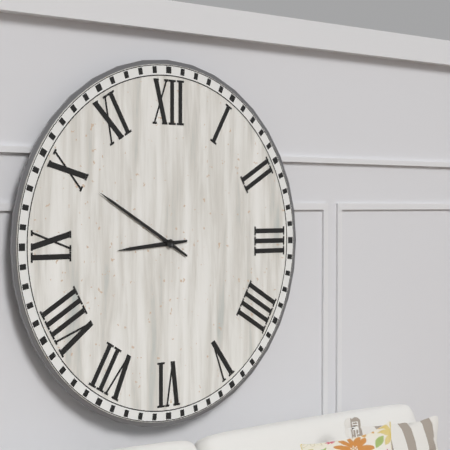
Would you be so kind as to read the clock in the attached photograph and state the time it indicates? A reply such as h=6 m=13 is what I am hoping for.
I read h=8 m=50
